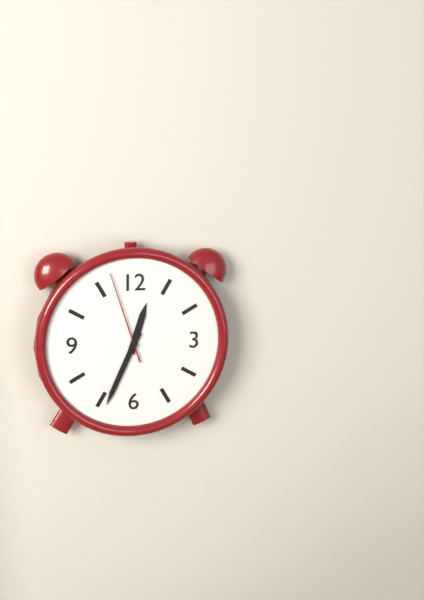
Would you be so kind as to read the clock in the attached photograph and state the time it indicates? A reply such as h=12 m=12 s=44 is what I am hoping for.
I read h=12 m=34 s=57
